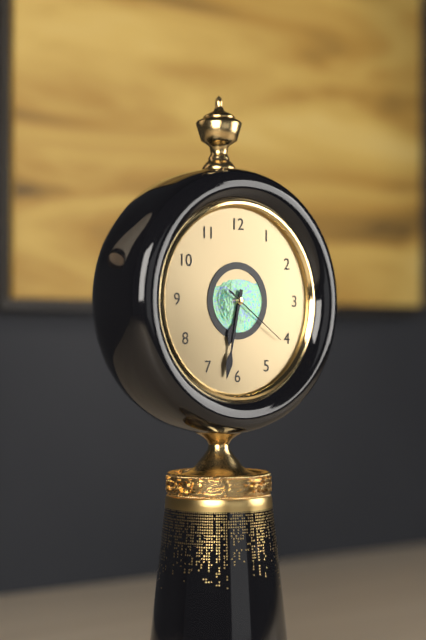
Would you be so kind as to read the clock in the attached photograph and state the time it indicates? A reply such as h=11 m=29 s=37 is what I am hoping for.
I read h=6 m=32 s=21
